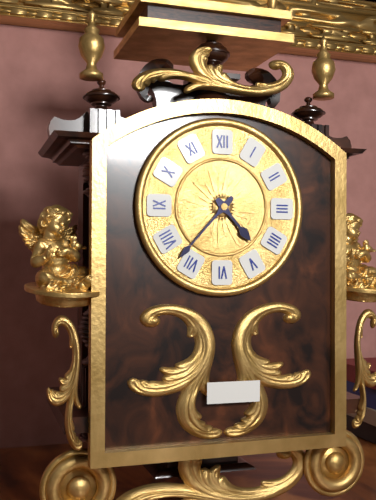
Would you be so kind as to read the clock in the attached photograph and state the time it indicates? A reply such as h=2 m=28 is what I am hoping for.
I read h=4 m=37
